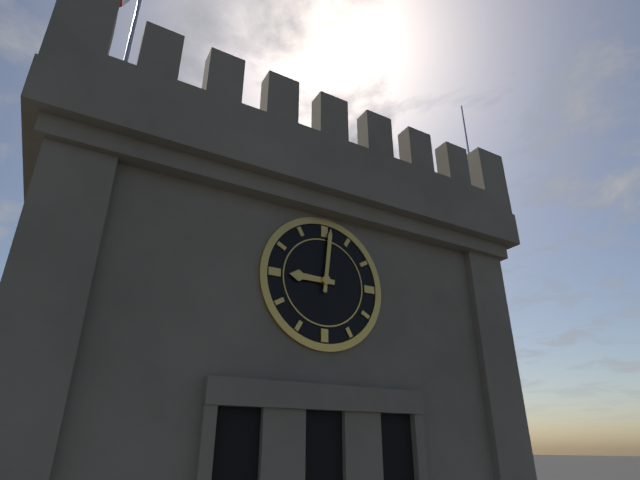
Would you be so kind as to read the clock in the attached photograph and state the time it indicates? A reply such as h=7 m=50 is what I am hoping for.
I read h=9 m=1
